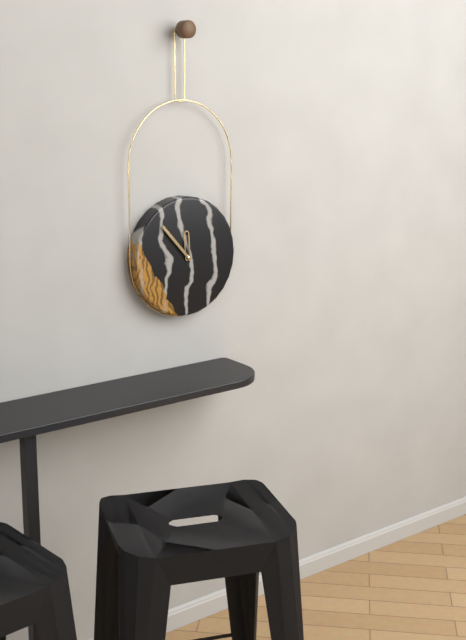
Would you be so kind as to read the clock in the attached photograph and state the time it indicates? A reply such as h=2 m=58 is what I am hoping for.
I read h=11 m=53
